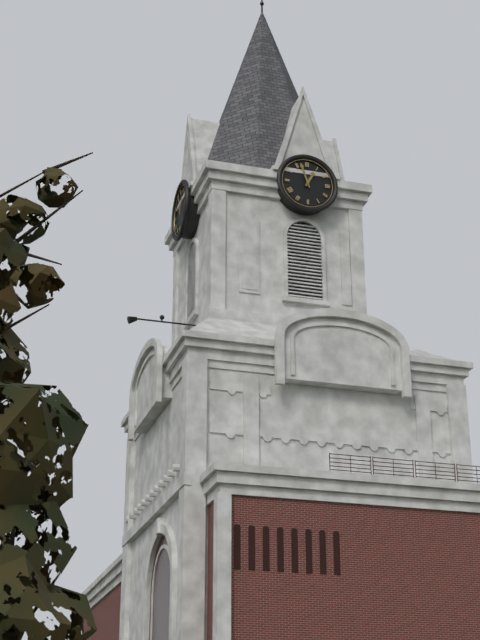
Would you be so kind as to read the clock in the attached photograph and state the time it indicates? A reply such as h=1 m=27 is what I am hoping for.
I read h=12 m=57
